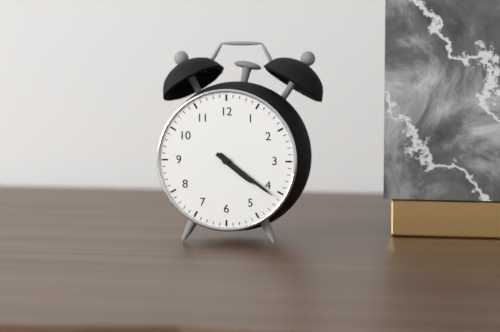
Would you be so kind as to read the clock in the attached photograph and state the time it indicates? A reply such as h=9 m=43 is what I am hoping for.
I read h=4 m=21
